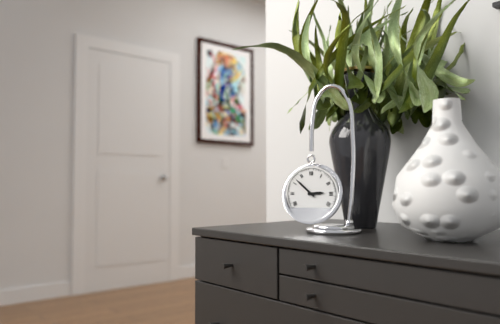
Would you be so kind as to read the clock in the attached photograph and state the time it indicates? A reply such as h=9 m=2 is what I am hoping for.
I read h=2 m=52
